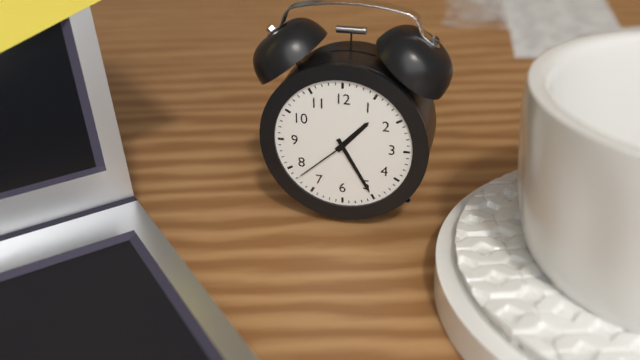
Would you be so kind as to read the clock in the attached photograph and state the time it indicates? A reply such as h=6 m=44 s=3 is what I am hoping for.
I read h=1 m=25 s=38
